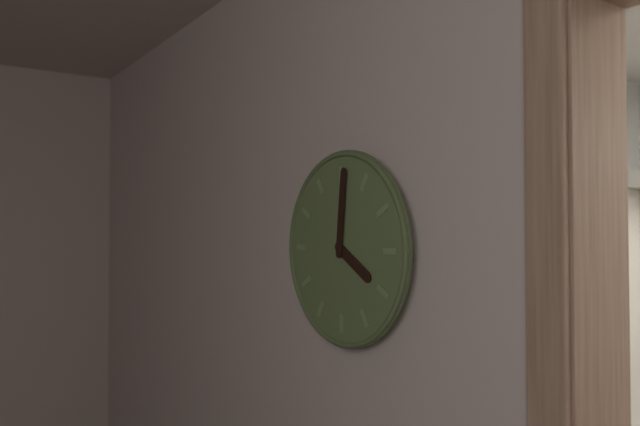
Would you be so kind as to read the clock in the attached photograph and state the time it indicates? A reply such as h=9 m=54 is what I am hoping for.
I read h=4 m=1
